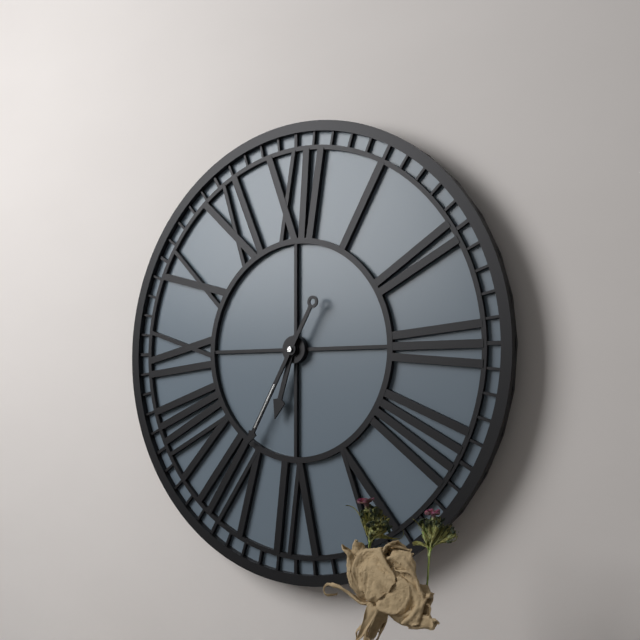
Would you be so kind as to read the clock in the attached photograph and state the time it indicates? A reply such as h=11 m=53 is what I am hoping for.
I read h=6 m=35
